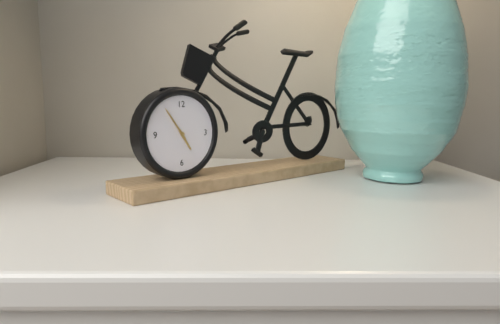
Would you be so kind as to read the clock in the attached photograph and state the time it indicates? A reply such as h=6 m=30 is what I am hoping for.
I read h=4 m=54
